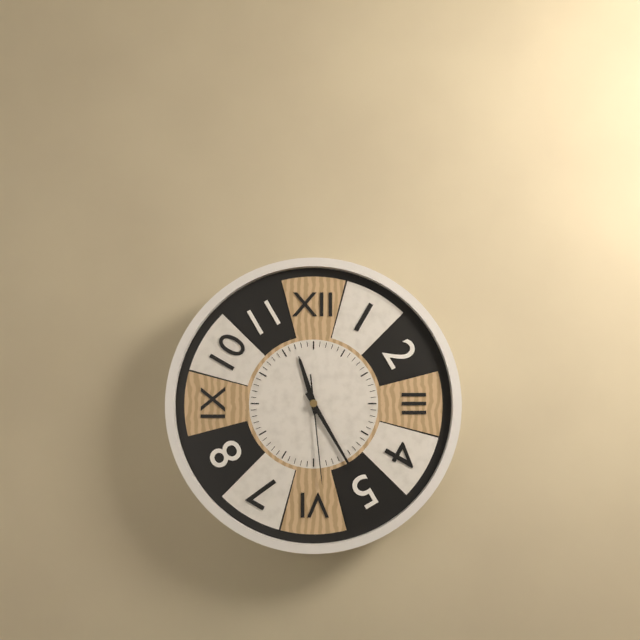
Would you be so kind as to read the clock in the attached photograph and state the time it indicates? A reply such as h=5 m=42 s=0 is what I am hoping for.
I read h=11 m=25 s=29
